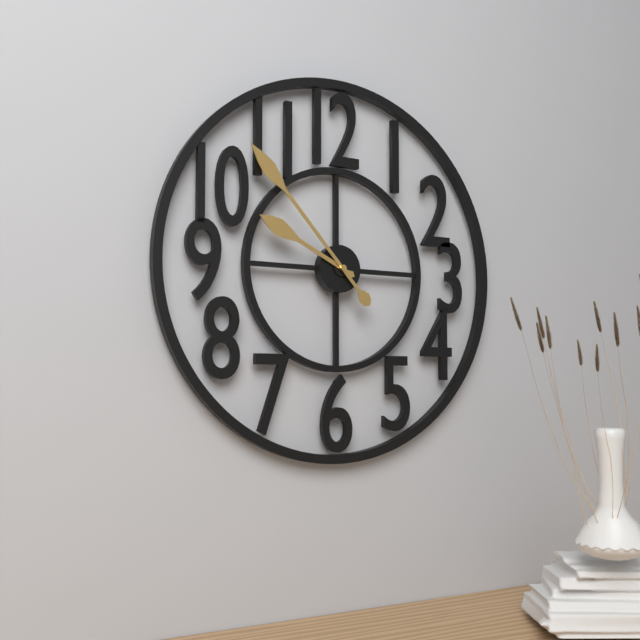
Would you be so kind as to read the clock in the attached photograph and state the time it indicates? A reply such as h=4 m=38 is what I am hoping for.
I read h=9 m=53
